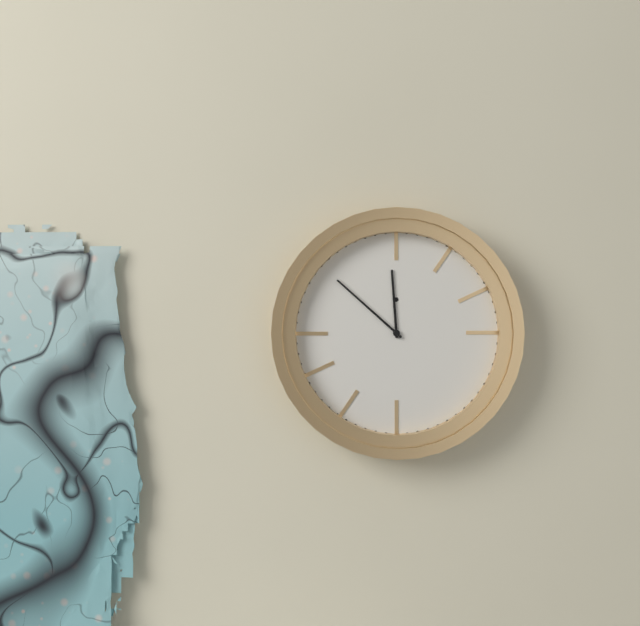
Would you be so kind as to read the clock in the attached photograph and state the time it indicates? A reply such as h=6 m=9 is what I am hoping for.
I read h=11 m=52
